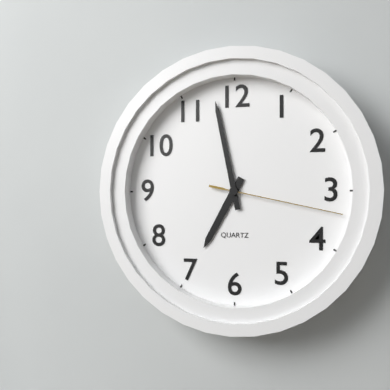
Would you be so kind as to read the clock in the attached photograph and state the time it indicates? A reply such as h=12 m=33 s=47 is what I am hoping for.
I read h=6 m=58 s=17
